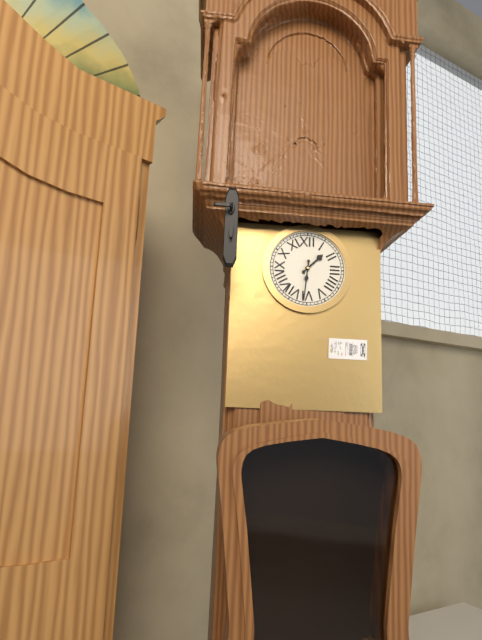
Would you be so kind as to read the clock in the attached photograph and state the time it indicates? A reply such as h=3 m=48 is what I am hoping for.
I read h=1 m=31
